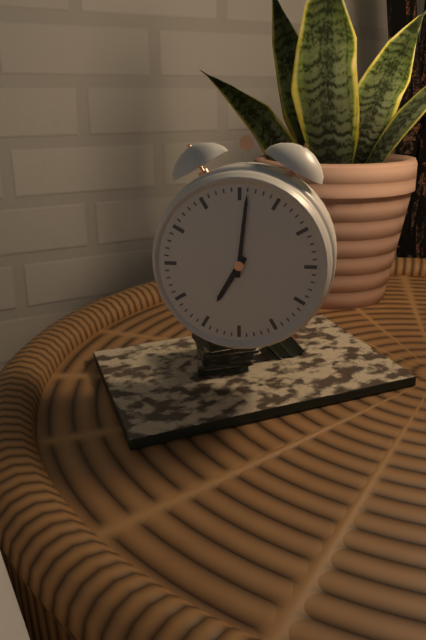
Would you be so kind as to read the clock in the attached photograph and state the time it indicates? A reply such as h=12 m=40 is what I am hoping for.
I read h=7 m=1
